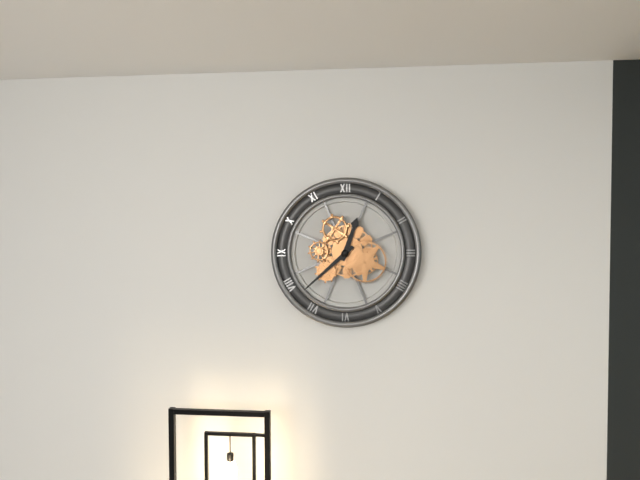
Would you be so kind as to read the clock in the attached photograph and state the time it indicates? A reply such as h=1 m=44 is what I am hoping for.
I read h=12 m=38
